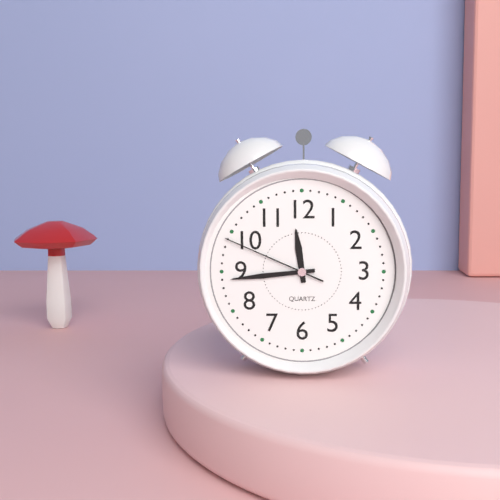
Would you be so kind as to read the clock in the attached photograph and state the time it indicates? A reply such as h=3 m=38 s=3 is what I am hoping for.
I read h=11 m=44 s=49
